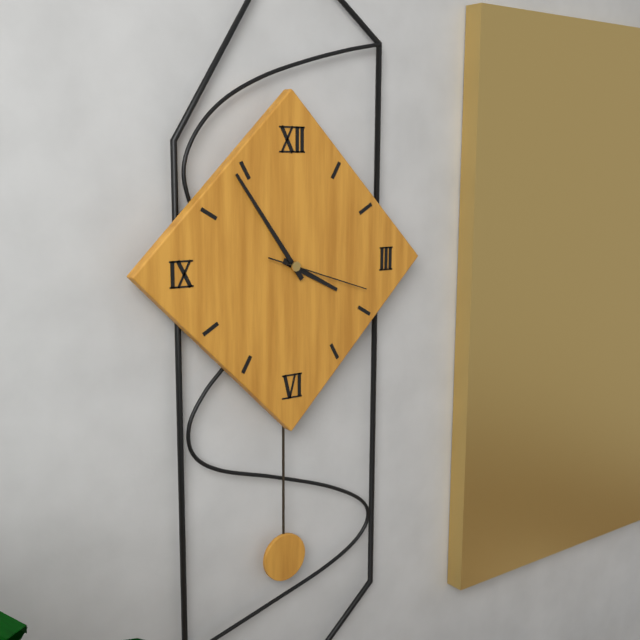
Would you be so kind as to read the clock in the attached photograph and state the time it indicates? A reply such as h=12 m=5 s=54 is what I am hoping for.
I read h=3 m=54 s=18
